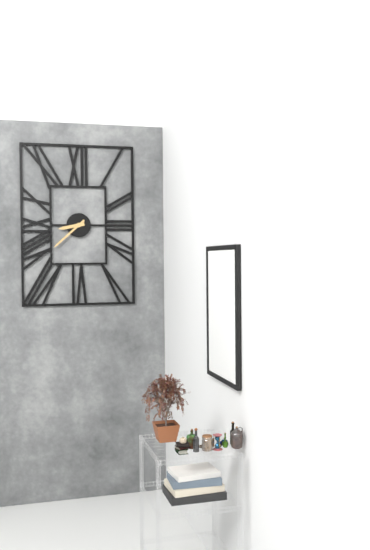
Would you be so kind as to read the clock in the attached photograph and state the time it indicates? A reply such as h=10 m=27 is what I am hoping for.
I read h=8 m=38
